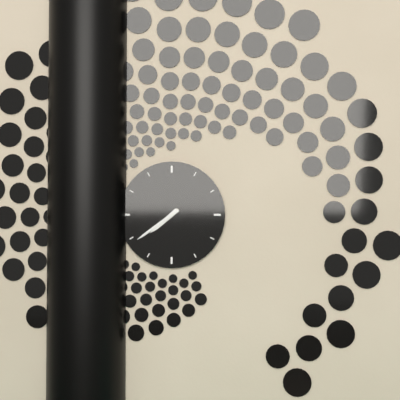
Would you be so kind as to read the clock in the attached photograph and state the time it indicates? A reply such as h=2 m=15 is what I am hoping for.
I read h=7 m=39
